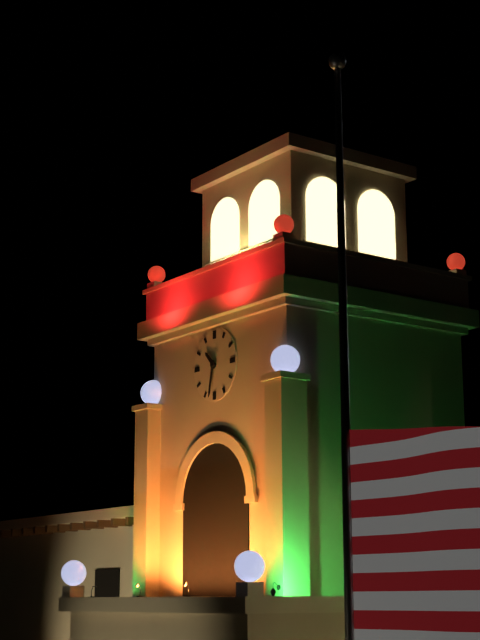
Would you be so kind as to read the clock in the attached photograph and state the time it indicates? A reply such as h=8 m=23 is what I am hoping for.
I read h=10 m=32
